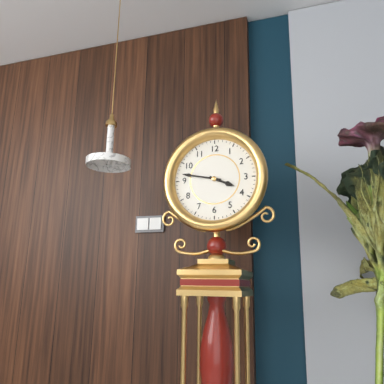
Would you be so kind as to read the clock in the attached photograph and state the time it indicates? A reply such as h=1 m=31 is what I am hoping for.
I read h=3 m=47
